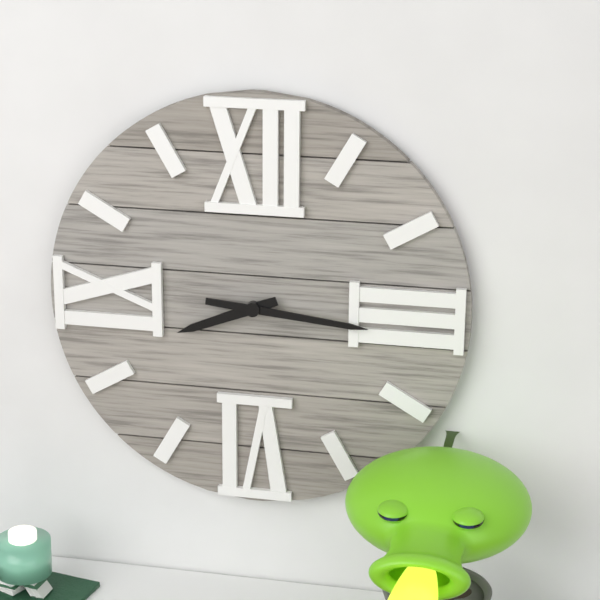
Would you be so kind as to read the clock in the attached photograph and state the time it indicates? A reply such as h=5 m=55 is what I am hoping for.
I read h=8 m=16
